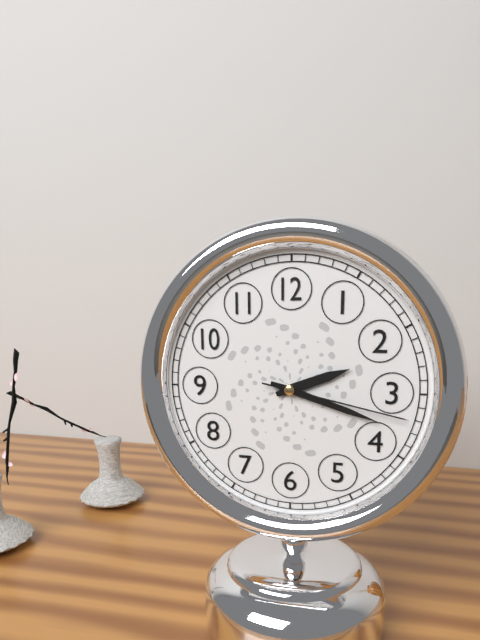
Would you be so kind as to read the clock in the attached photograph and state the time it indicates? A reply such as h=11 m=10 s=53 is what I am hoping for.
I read h=2 m=18 s=17
